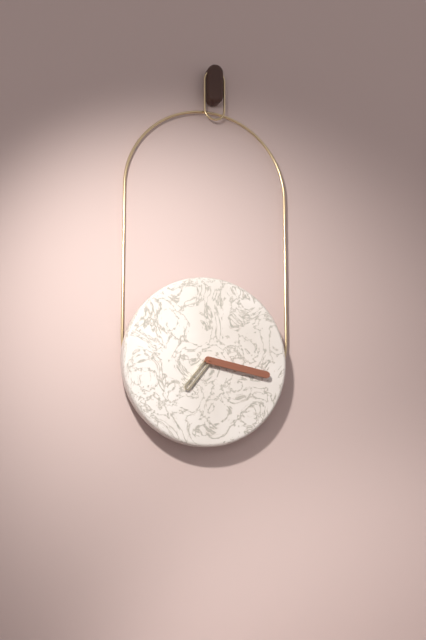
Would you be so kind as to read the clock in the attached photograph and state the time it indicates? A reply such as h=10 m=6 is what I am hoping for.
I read h=7 m=17
